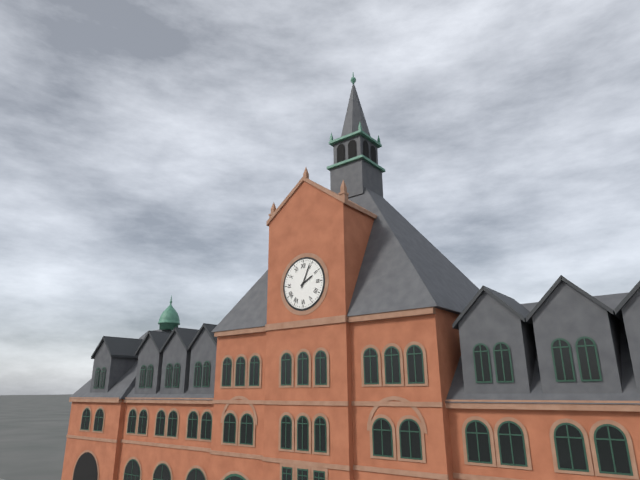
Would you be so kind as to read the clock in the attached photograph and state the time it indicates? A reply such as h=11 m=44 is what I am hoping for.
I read h=2 m=4
